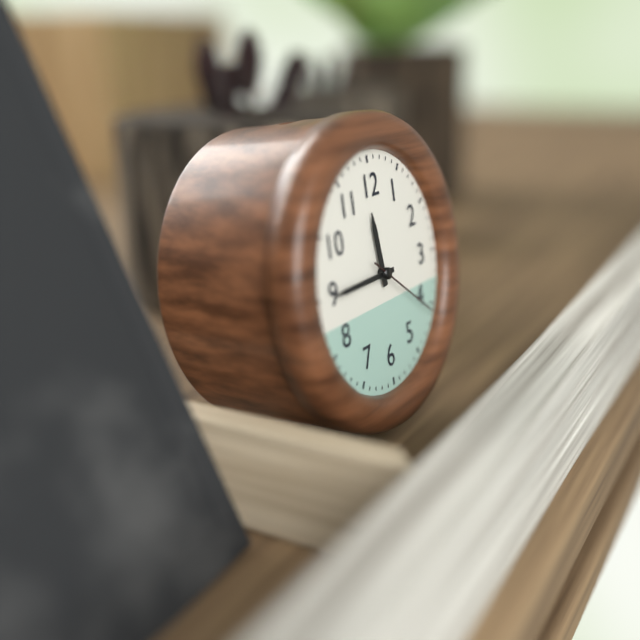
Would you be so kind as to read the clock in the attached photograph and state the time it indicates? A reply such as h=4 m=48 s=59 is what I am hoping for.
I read h=11 m=45 s=21
